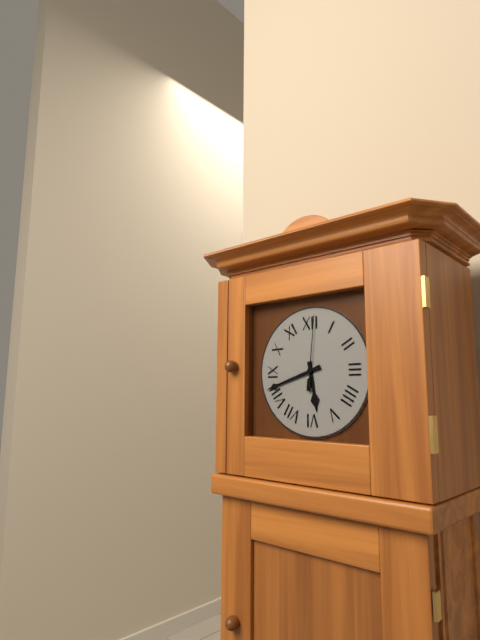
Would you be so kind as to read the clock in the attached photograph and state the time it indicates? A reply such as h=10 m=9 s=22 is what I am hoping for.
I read h=5 m=42 s=1
